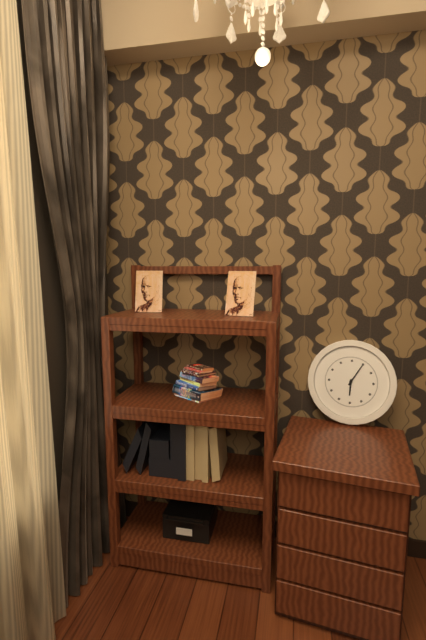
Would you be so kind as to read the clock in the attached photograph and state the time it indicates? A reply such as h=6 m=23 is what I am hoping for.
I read h=6 m=5
